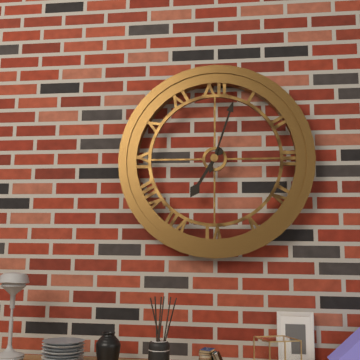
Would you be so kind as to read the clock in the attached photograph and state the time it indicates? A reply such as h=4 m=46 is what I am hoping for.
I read h=7 m=3
